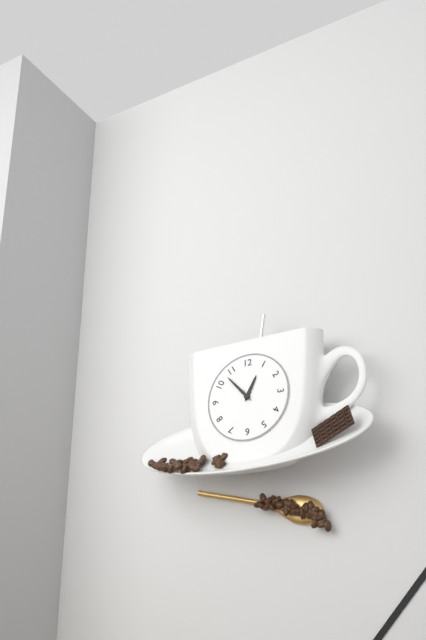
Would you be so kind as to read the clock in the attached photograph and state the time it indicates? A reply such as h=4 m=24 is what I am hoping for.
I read h=12 m=53
